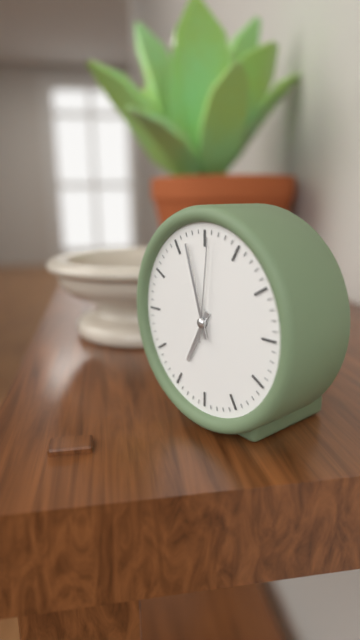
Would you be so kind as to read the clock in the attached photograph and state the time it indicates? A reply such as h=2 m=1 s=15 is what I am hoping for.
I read h=6 m=57 s=1
